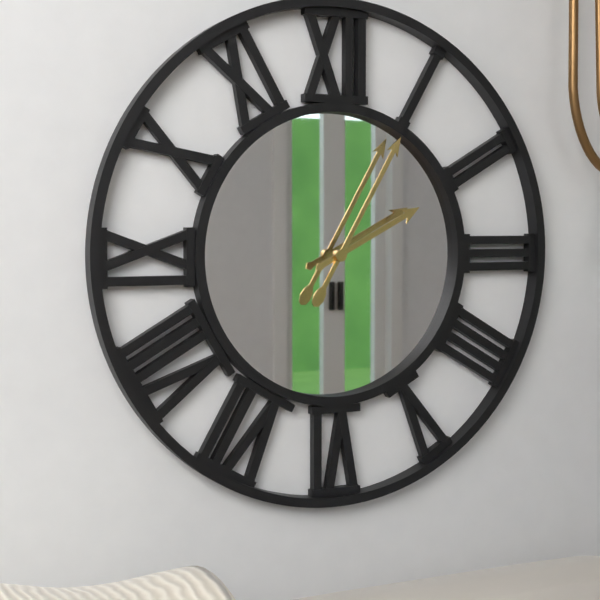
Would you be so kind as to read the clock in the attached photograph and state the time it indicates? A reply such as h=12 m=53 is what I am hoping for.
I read h=2 m=5
